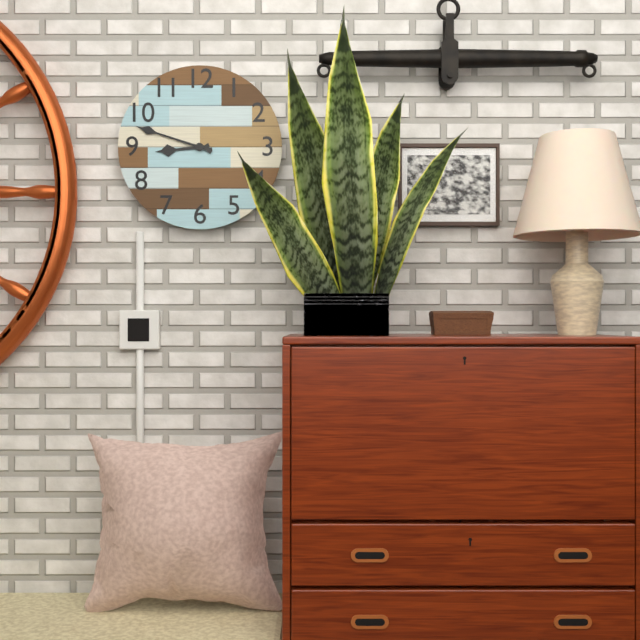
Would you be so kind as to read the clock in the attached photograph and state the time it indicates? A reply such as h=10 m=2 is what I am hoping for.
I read h=8 m=48
